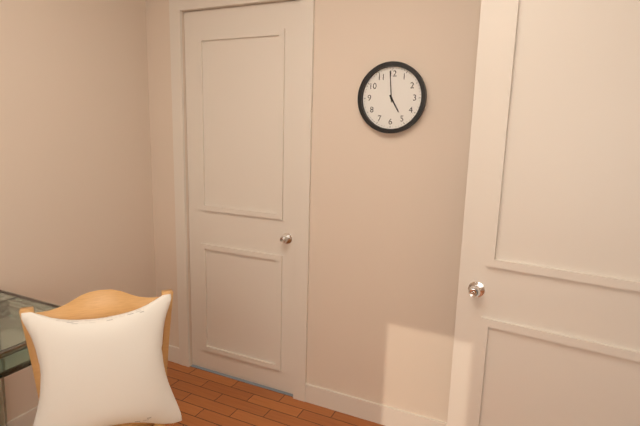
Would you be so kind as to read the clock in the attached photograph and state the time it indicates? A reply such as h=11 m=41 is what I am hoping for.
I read h=4 m=59
